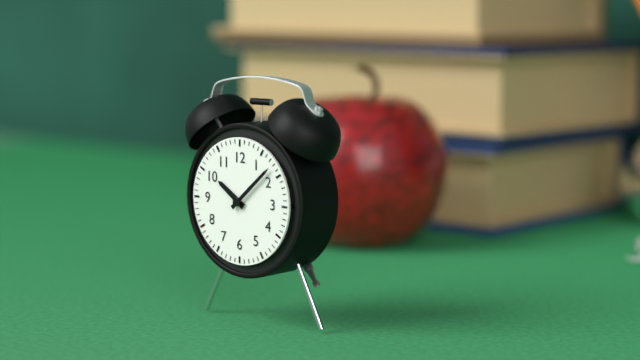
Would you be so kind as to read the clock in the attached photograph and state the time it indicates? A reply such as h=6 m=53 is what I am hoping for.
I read h=10 m=8
